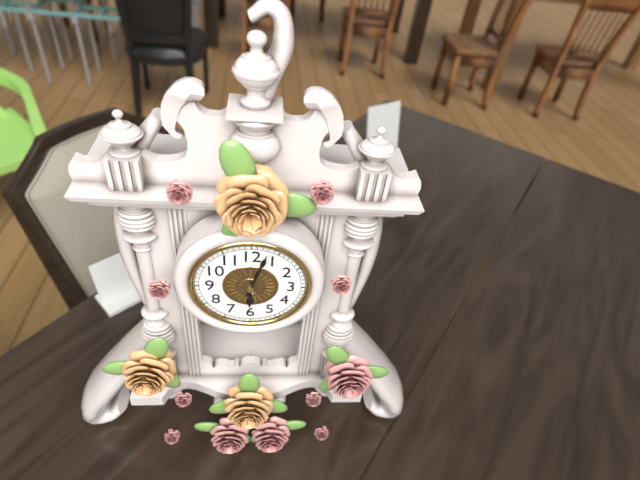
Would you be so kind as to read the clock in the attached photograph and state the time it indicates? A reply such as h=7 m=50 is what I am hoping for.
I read h=6 m=3
